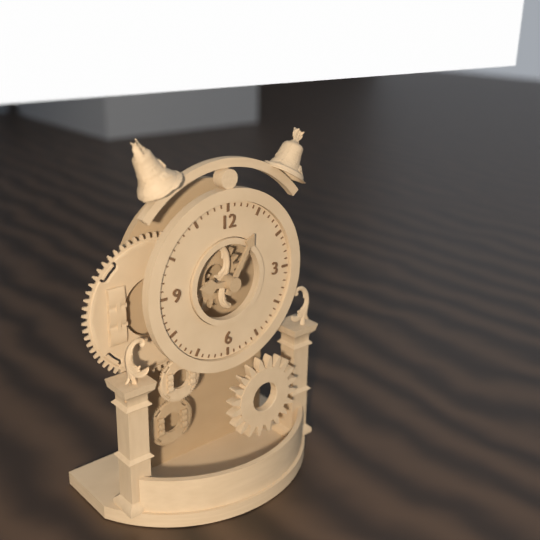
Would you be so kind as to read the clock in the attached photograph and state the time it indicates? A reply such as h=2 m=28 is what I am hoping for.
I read h=9 m=5
